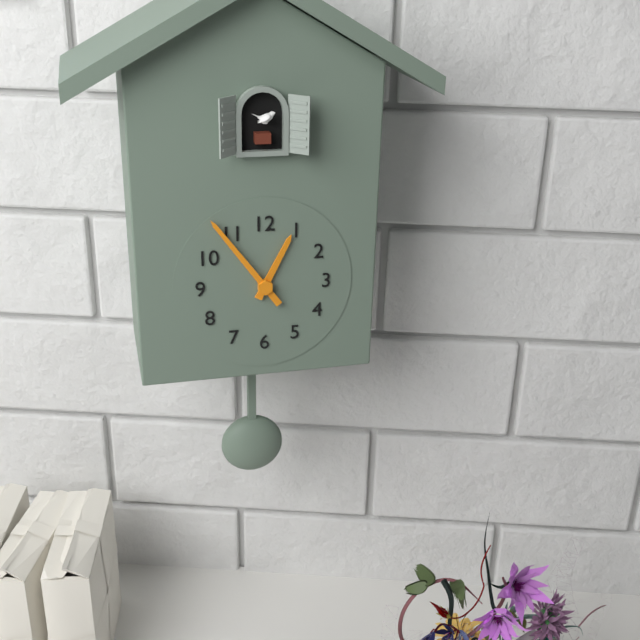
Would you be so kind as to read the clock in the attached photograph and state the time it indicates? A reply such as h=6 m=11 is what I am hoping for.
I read h=12 m=54
